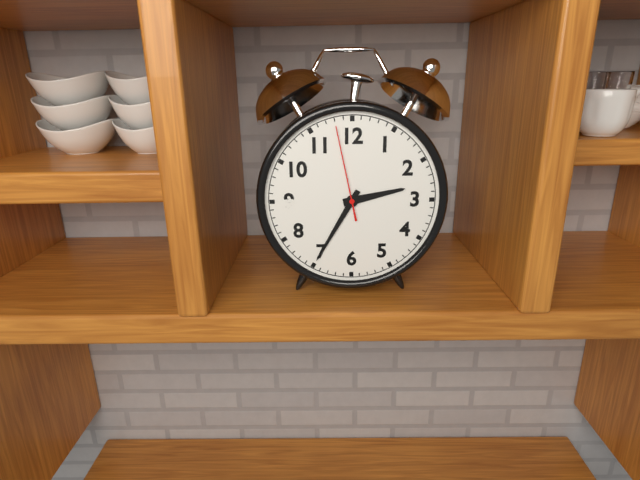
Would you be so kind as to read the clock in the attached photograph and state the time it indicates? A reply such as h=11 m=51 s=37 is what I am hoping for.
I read h=2 m=35 s=58
